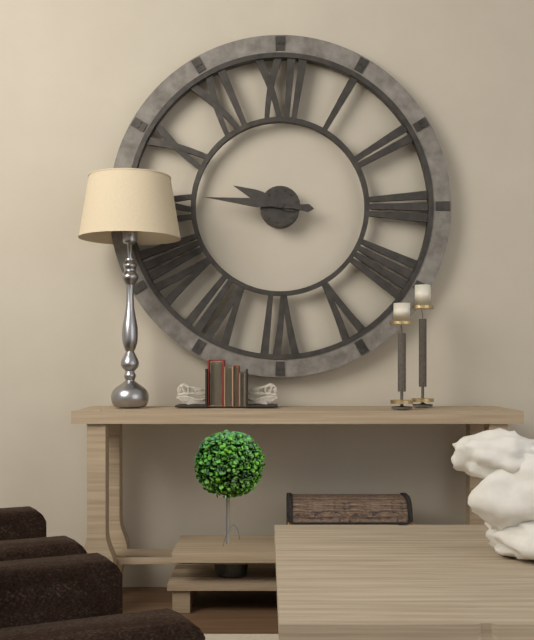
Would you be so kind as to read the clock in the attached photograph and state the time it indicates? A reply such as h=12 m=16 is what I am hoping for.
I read h=9 m=46
